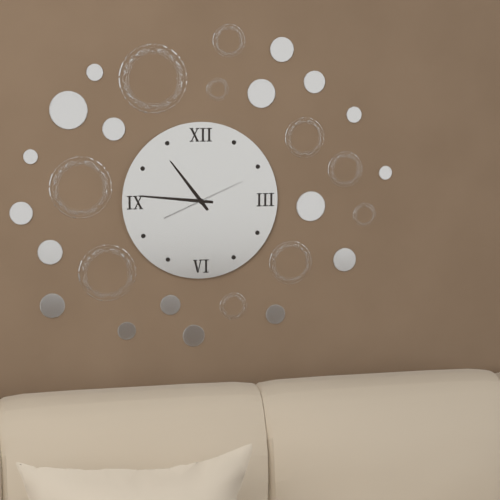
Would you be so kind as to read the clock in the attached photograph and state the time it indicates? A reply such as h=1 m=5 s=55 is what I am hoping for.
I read h=10 m=46 s=11
